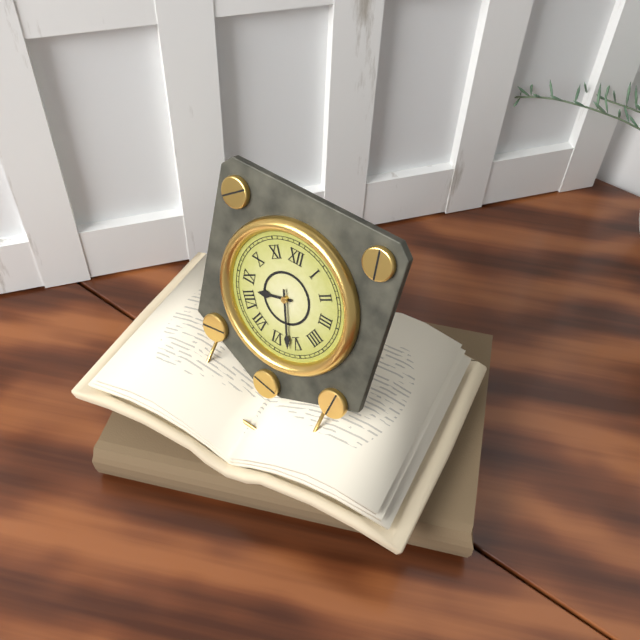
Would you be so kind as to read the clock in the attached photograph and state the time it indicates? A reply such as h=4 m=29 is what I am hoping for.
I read h=8 m=27
